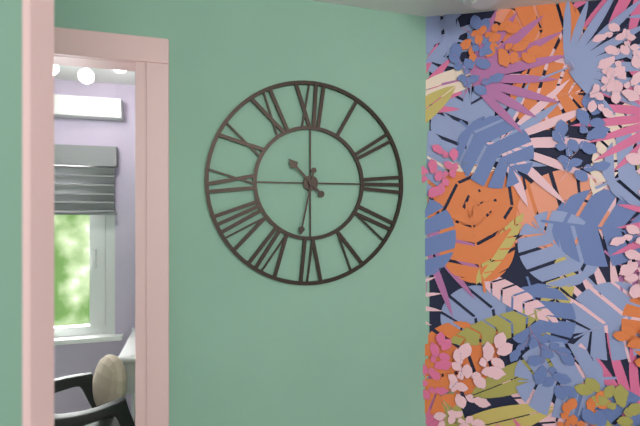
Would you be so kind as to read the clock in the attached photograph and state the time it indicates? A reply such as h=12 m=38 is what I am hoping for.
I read h=10 m=32
